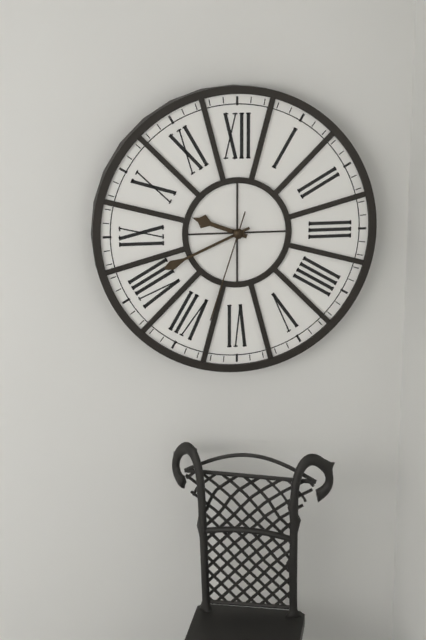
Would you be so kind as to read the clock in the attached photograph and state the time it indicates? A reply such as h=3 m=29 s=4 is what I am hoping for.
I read h=9 m=41 s=33
